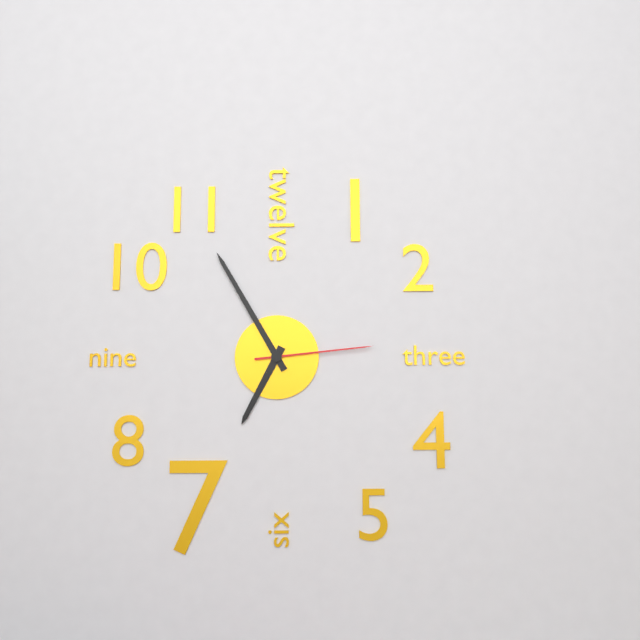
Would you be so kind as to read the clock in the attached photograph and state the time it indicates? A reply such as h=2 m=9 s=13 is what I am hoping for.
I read h=6 m=55 s=14
